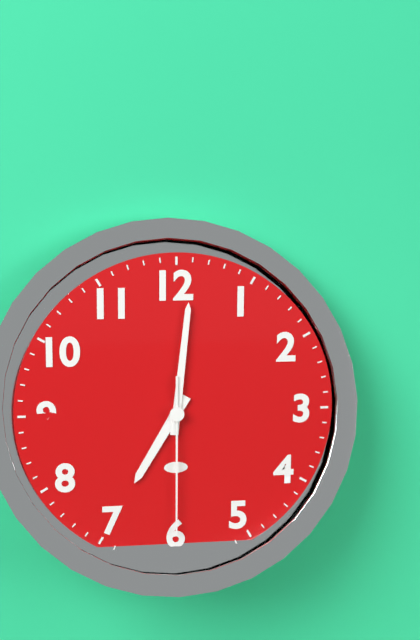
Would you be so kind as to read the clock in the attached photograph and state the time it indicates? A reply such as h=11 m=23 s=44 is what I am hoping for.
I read h=7 m=1 s=30
